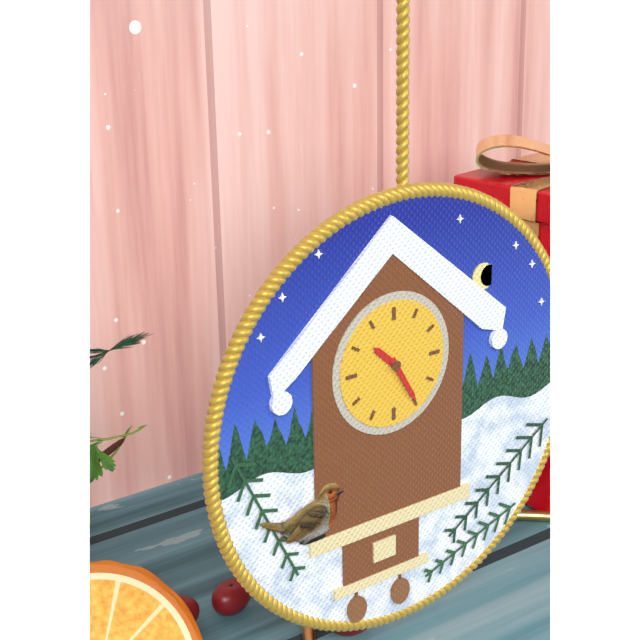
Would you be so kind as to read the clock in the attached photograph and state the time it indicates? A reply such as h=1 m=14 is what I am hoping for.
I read h=10 m=25
